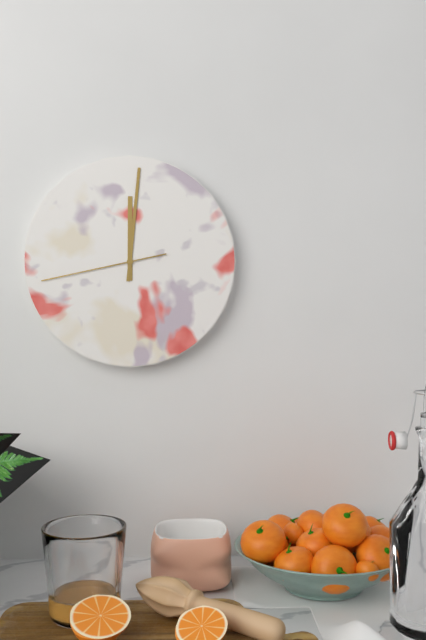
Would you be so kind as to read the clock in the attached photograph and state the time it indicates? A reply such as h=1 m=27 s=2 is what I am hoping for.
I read h=12 m=1 s=43
